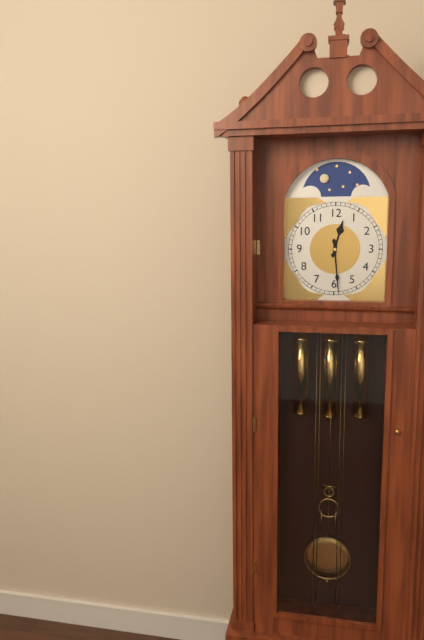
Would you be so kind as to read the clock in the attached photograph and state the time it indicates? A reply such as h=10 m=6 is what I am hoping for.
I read h=12 m=29
